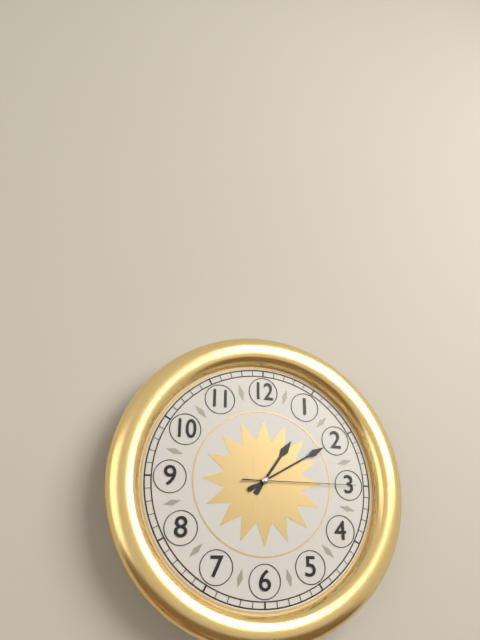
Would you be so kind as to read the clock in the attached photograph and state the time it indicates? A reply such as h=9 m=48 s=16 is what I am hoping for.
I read h=1 m=10 s=15
